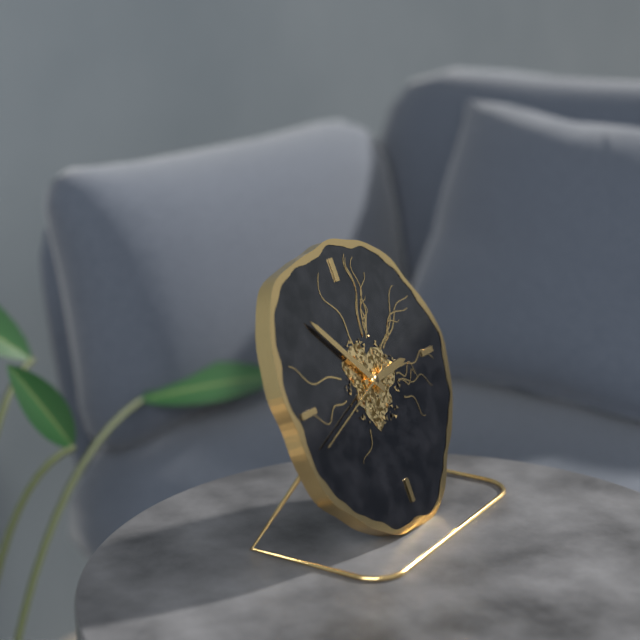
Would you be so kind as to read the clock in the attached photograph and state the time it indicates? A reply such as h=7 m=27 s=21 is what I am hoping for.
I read h=2 m=53 s=42
